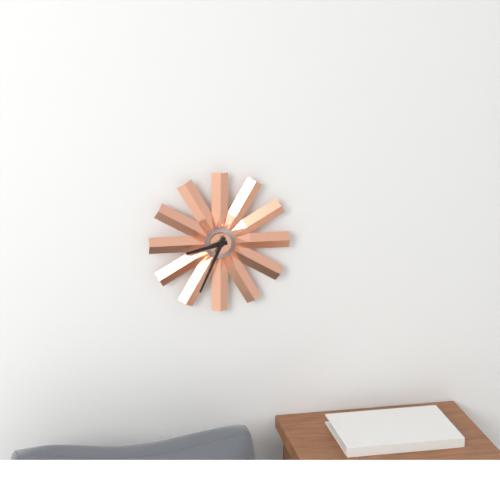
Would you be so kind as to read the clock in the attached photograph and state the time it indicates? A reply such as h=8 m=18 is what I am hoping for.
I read h=8 m=34
